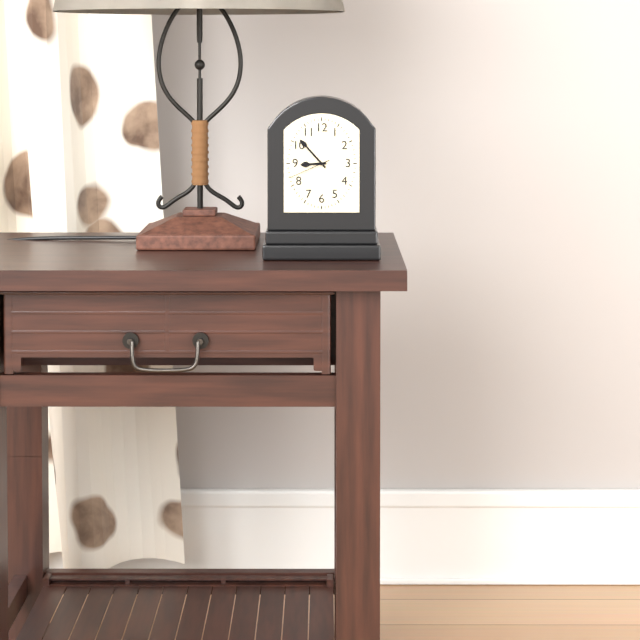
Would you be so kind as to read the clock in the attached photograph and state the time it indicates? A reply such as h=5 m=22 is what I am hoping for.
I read h=8 m=53
